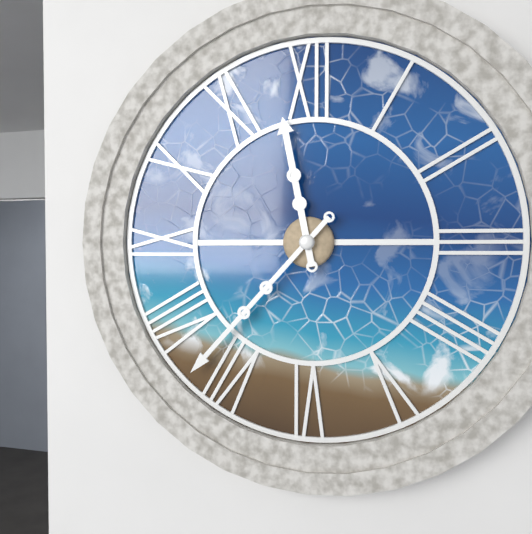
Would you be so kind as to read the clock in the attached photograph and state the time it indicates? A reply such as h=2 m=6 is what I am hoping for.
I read h=11 m=37
